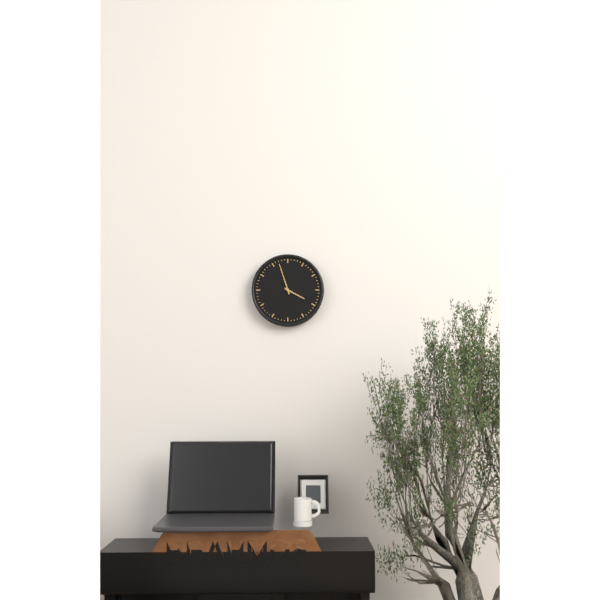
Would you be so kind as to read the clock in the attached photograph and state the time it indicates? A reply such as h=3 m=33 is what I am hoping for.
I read h=3 m=57
